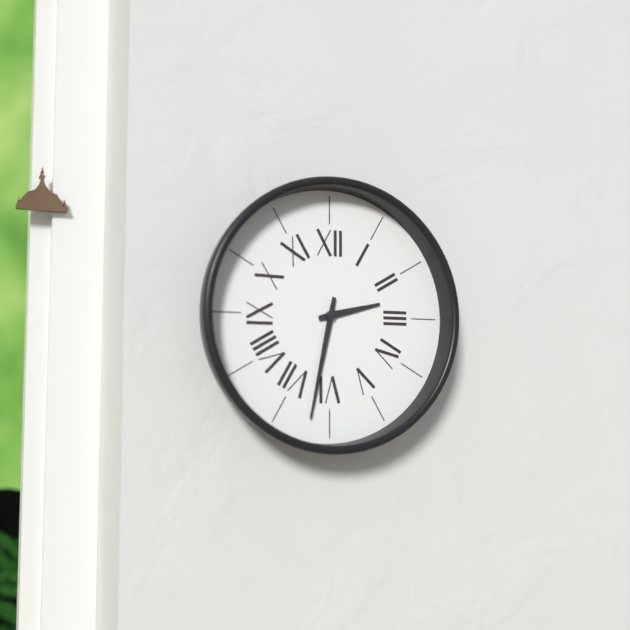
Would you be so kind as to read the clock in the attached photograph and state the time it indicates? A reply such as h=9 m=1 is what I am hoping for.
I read h=2 m=32
